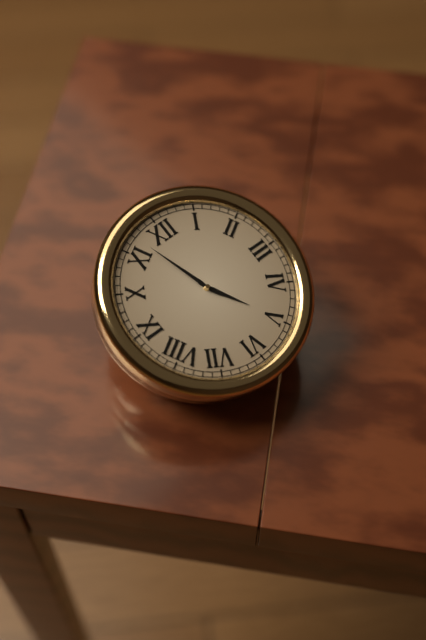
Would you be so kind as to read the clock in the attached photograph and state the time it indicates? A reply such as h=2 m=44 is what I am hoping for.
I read h=4 m=57
